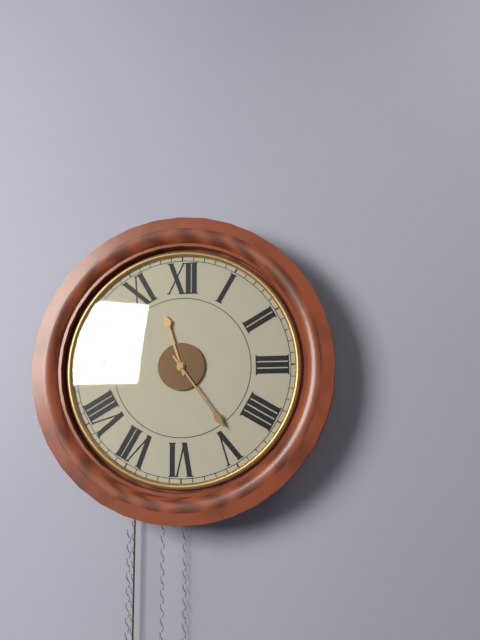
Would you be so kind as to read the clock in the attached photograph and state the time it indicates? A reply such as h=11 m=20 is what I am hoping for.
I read h=11 m=24
